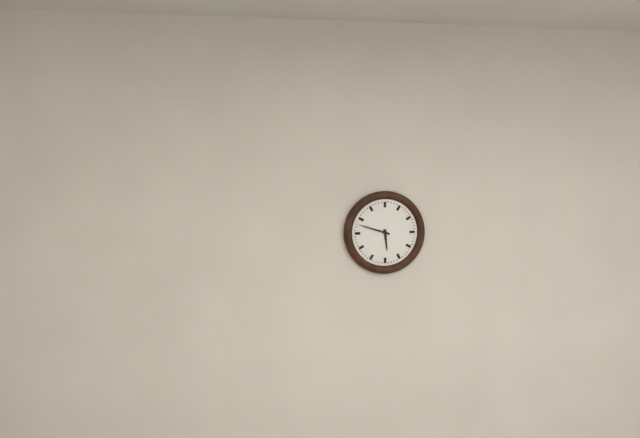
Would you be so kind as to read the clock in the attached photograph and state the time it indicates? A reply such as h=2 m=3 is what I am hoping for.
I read h=5 m=48
